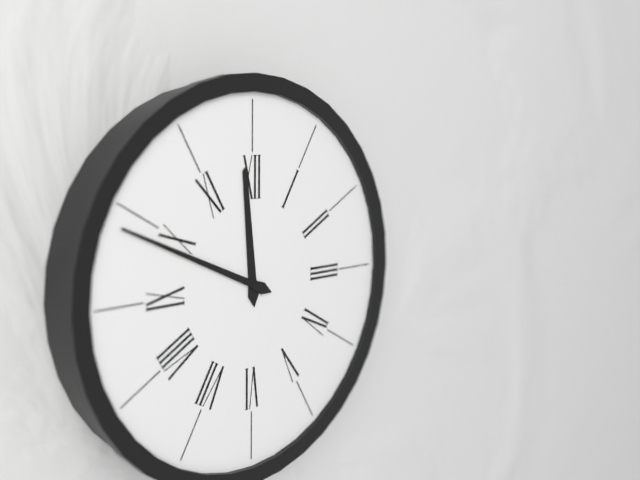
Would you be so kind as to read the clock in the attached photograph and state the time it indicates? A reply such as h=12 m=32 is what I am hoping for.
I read h=11 m=49
